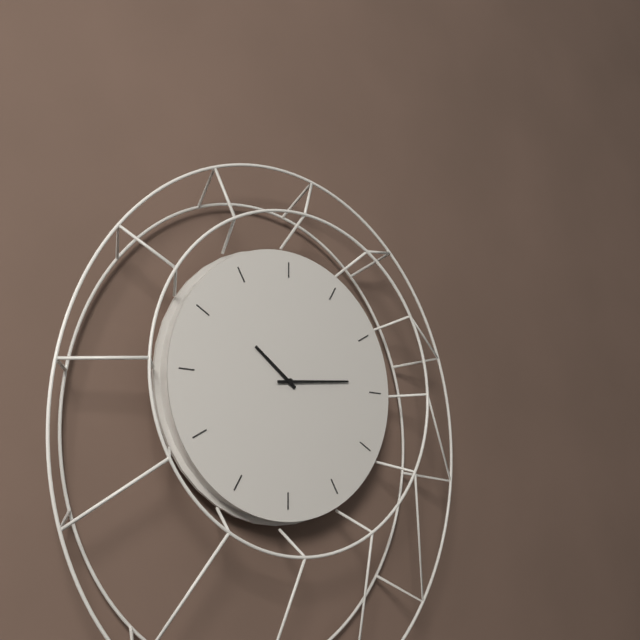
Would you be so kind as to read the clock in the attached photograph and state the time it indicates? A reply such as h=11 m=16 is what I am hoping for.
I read h=10 m=14
